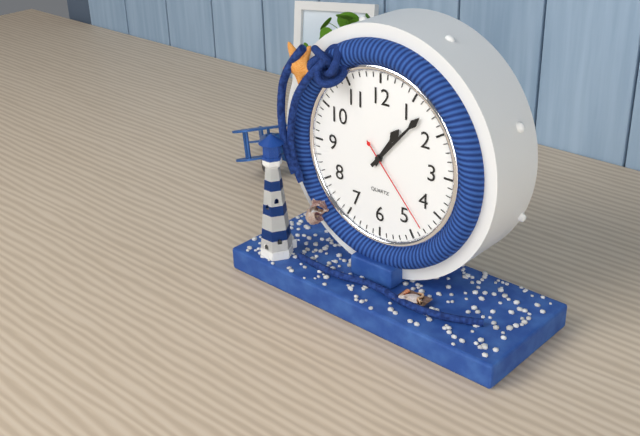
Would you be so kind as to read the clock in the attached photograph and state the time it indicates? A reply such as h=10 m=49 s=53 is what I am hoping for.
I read h=1 m=7 s=23
